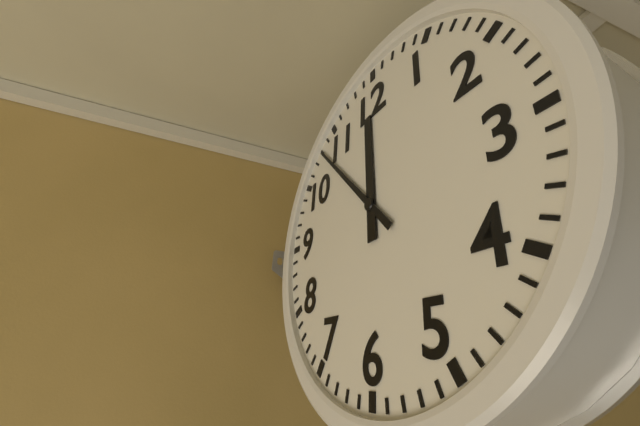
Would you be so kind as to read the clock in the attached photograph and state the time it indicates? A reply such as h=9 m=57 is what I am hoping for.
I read h=11 m=53
